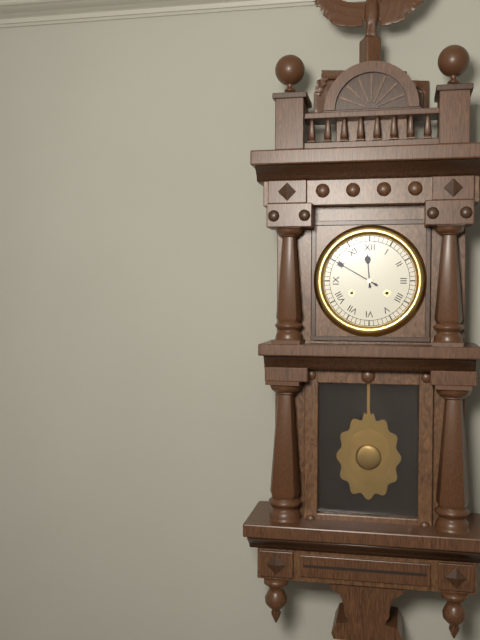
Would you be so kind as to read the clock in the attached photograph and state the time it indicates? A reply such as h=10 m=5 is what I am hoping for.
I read h=11 m=50
